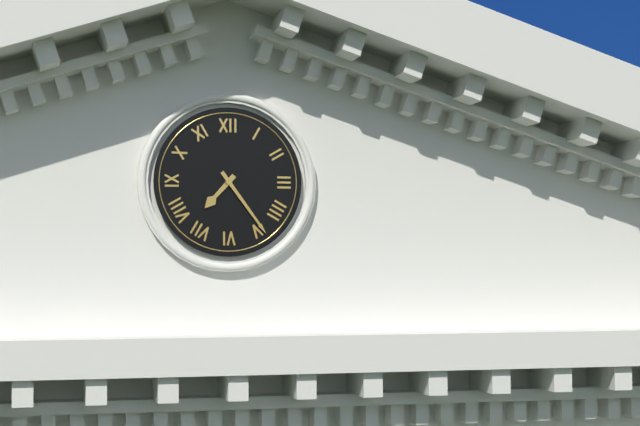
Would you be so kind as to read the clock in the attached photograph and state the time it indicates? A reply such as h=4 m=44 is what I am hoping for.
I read h=7 m=24
